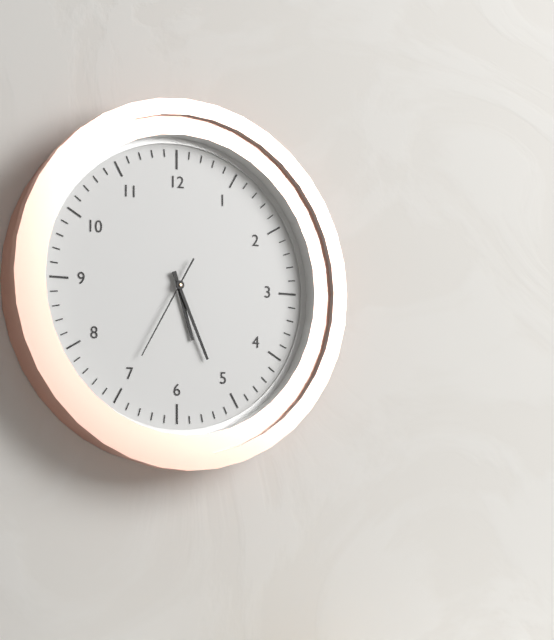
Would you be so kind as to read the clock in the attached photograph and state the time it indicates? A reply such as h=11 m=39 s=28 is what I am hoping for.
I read h=5 m=26 s=35
